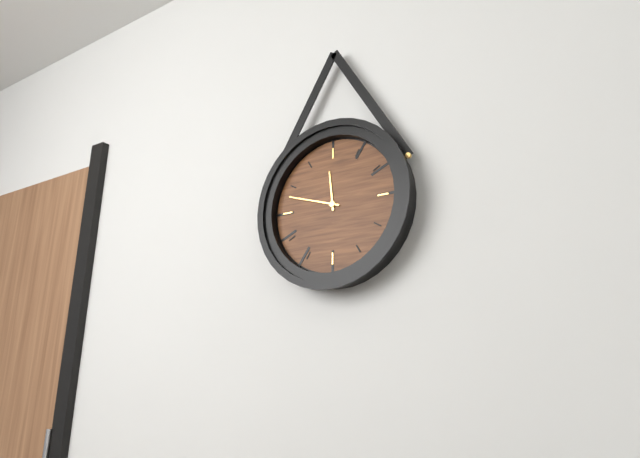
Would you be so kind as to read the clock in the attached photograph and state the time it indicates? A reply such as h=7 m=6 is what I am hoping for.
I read h=11 m=48
